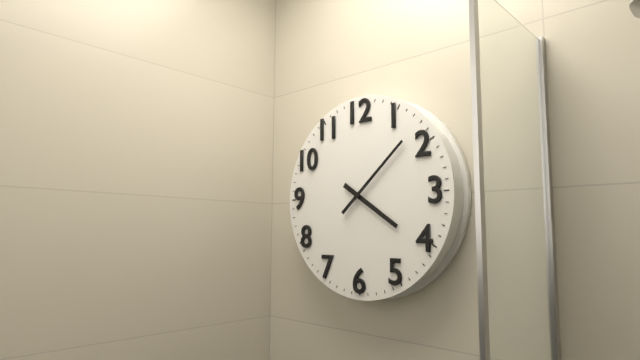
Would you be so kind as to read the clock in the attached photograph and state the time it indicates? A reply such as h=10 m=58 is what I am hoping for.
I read h=4 m=8
